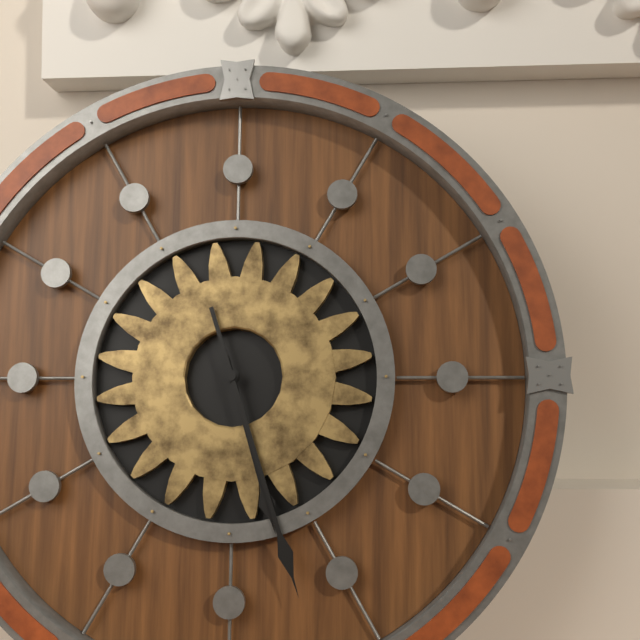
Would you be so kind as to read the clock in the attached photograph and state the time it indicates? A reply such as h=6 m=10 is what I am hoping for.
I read h=5 m=27
